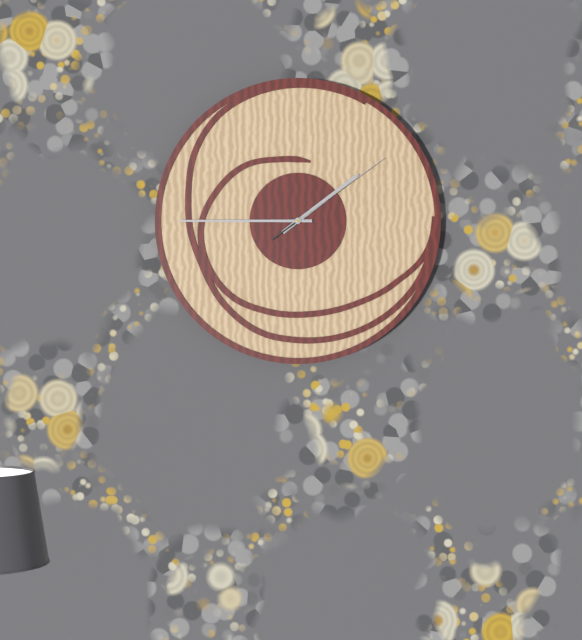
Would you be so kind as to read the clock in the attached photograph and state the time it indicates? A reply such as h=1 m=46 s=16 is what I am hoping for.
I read h=1 m=45 s=9
